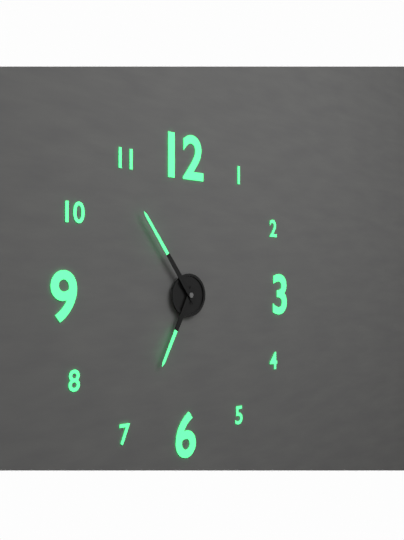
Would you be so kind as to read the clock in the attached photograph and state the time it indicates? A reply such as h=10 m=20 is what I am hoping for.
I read h=6 m=54
